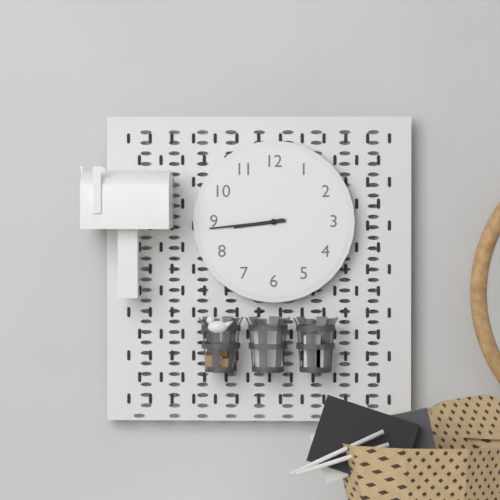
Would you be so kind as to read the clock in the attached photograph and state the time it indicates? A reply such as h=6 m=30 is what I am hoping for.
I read h=8 m=44
